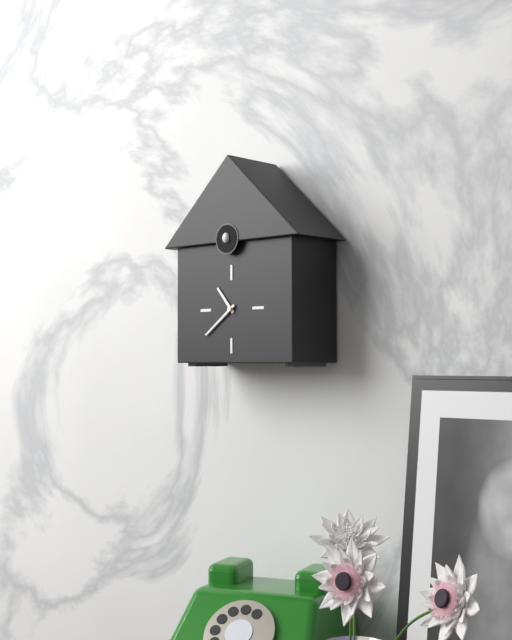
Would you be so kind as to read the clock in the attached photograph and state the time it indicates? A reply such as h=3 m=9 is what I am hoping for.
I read h=10 m=39
